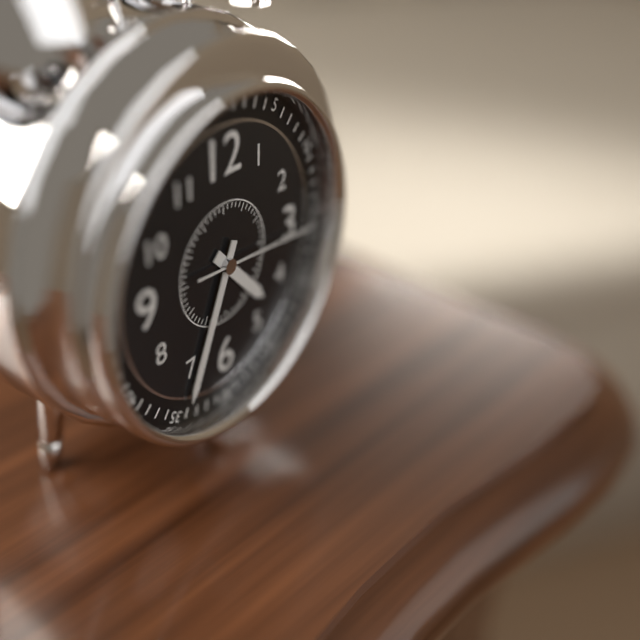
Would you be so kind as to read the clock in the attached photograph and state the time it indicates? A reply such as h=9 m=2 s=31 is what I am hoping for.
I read h=4 m=34 s=16
